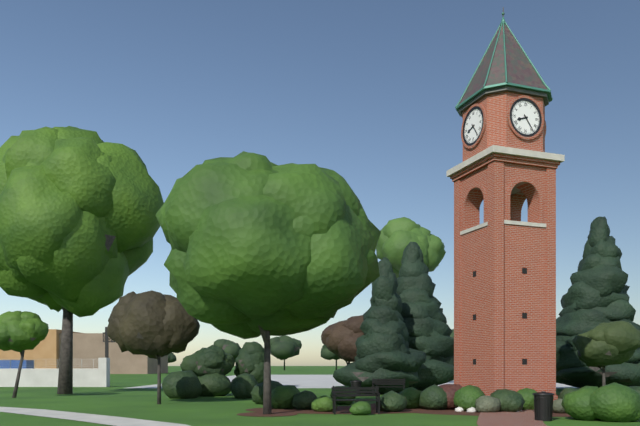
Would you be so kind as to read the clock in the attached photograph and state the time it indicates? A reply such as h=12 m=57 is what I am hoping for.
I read h=8 m=24
